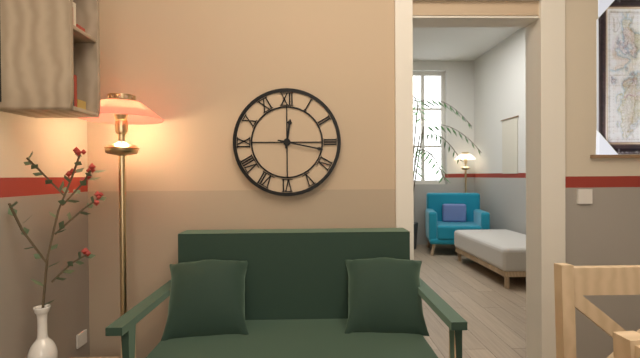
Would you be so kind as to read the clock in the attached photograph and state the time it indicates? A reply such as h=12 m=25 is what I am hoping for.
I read h=12 m=17
